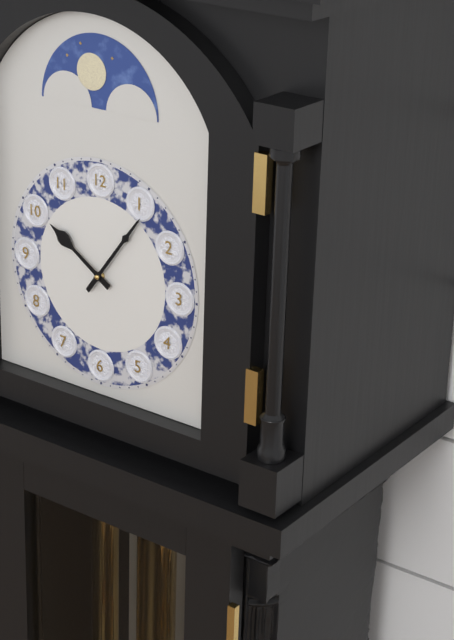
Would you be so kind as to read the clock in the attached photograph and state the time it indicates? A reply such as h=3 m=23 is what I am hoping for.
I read h=10 m=6
